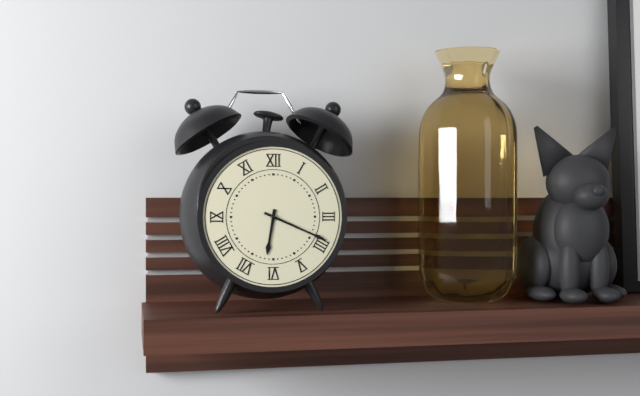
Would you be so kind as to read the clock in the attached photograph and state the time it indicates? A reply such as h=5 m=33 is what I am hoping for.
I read h=6 m=19
